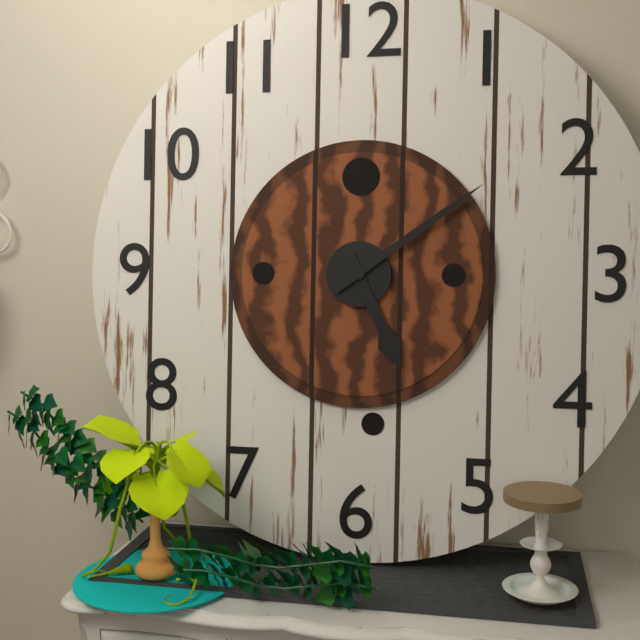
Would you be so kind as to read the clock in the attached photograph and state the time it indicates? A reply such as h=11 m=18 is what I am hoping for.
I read h=5 m=9
